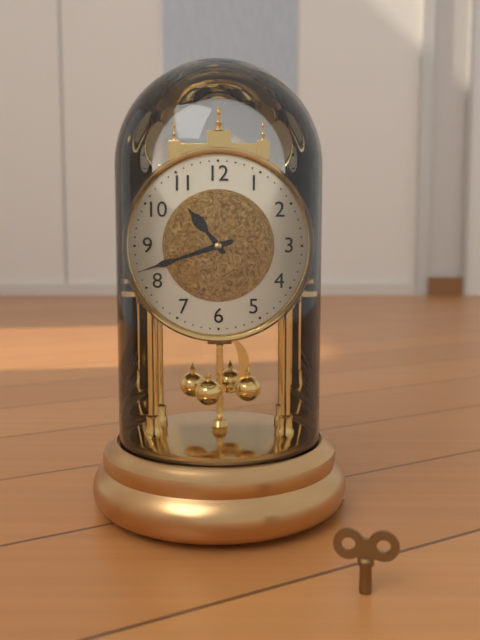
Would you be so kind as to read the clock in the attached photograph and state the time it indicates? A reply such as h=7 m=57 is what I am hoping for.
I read h=10 m=42
